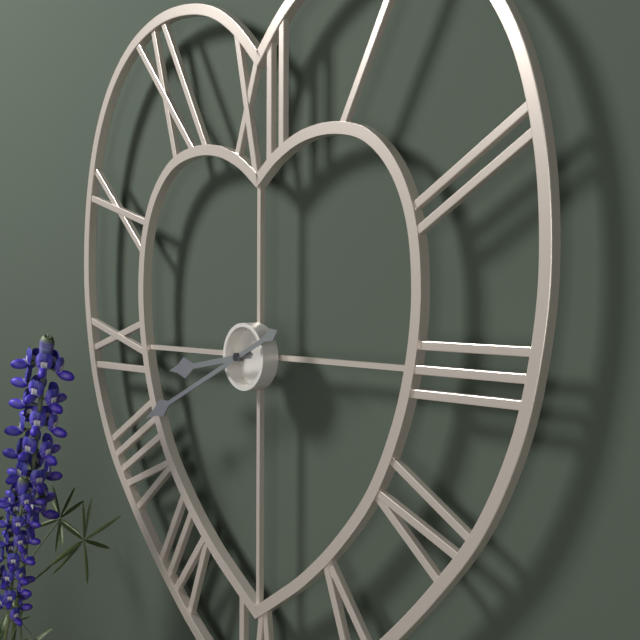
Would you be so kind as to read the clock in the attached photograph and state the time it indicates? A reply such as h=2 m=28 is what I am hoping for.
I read h=8 m=41
